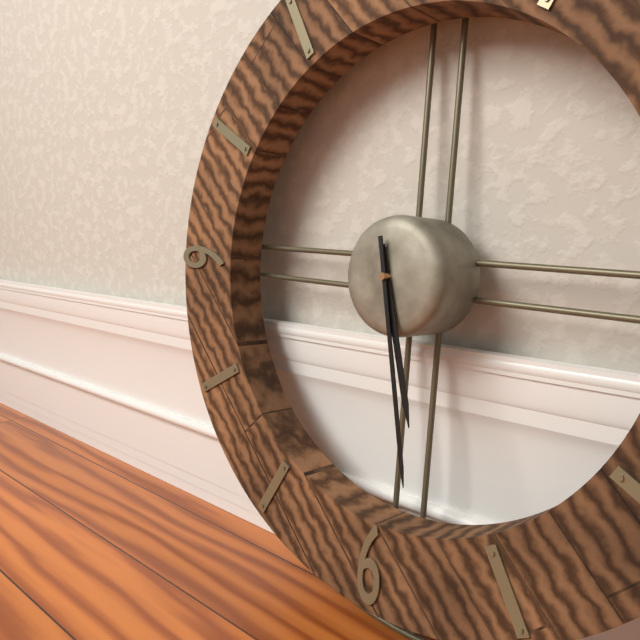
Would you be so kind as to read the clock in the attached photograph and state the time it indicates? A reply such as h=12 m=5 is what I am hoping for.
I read h=5 m=28
